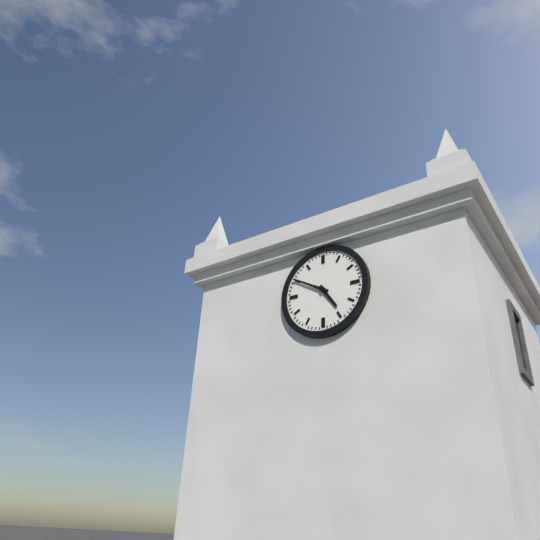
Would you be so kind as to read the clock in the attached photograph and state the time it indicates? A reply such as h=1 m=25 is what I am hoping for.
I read h=4 m=50
